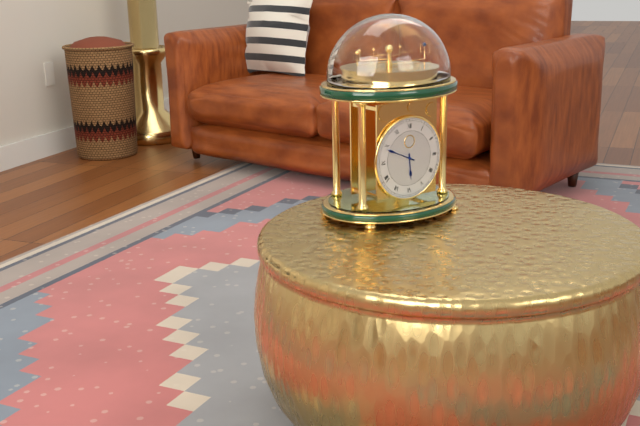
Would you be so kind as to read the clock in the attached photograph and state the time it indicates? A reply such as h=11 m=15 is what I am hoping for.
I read h=5 m=49
